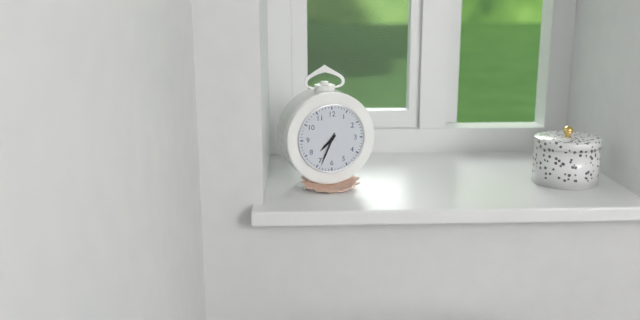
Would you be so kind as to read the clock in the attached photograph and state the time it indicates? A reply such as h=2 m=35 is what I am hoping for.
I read h=7 m=34
